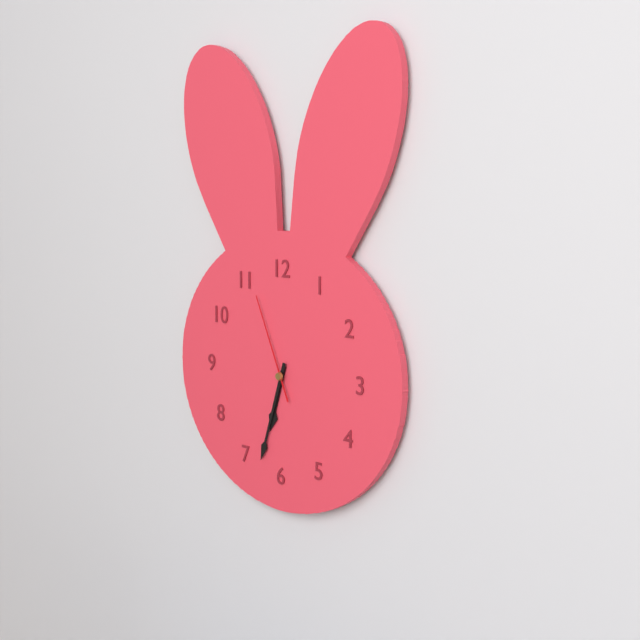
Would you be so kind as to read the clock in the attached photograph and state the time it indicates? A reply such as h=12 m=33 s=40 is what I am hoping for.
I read h=6 m=33 s=56
